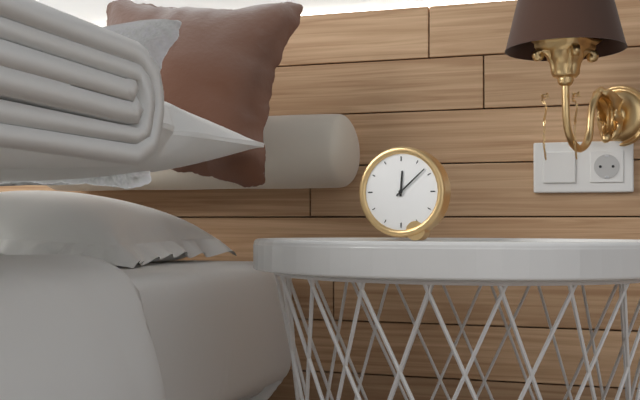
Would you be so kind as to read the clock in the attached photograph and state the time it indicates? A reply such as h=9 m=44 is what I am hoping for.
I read h=12 m=8
